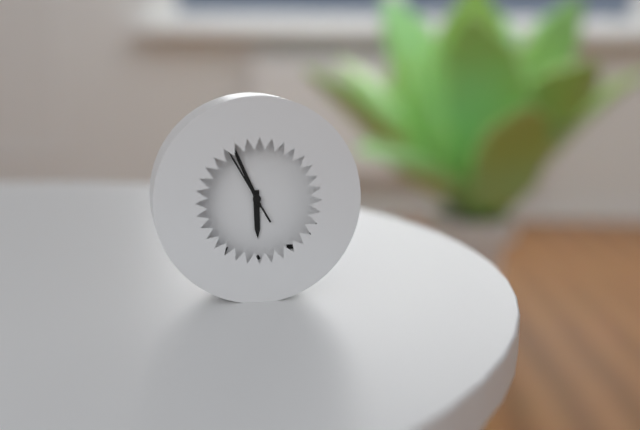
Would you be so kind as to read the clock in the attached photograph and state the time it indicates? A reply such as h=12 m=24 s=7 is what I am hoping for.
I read h=5 m=56 s=55
